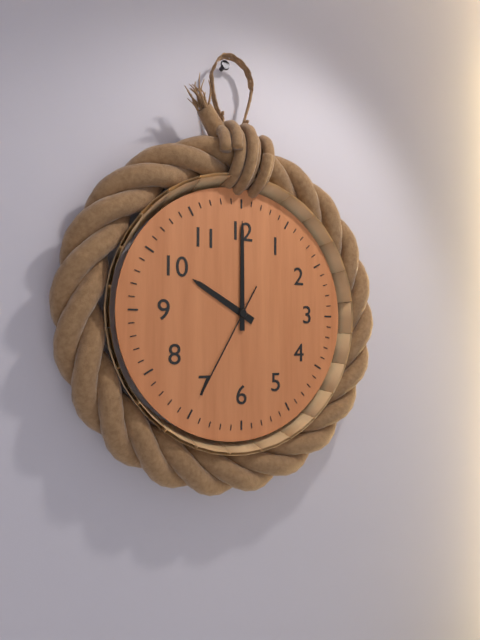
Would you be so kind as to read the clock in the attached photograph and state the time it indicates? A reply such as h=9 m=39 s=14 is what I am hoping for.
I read h=10 m=0 s=35
